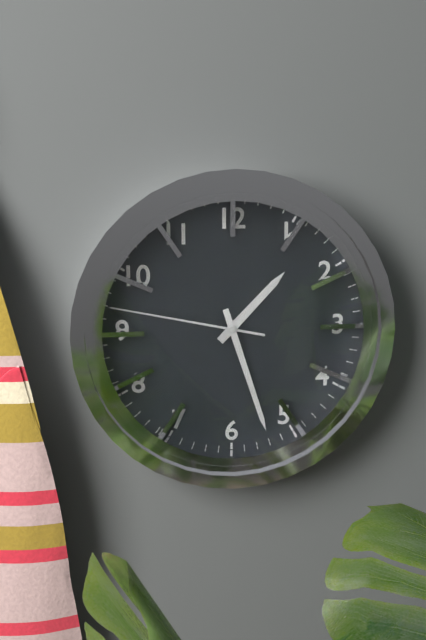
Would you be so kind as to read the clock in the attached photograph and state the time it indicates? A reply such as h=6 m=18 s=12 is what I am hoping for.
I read h=1 m=27 s=47
